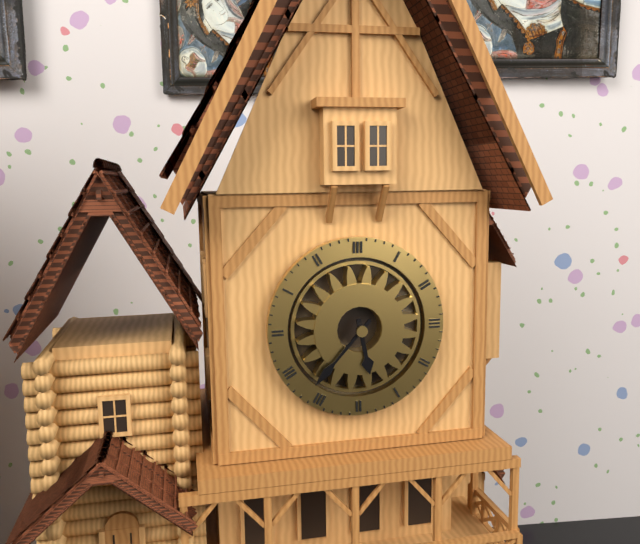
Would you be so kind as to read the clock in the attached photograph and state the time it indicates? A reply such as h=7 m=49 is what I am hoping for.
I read h=5 m=37
